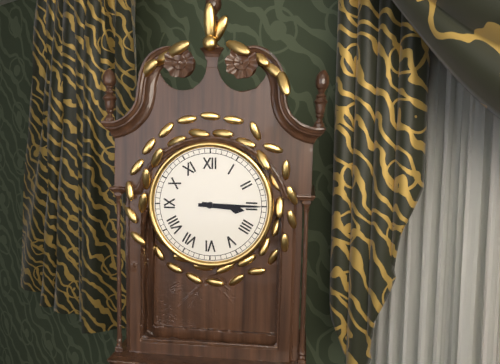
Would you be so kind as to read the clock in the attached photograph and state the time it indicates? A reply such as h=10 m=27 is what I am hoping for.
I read h=3 m=15
